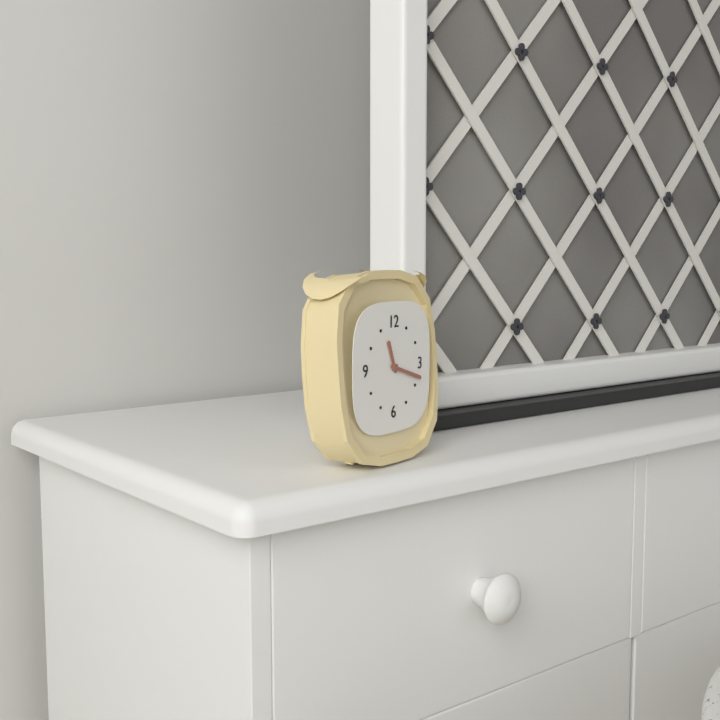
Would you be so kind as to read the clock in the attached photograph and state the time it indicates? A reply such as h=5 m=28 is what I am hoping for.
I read h=11 m=18
